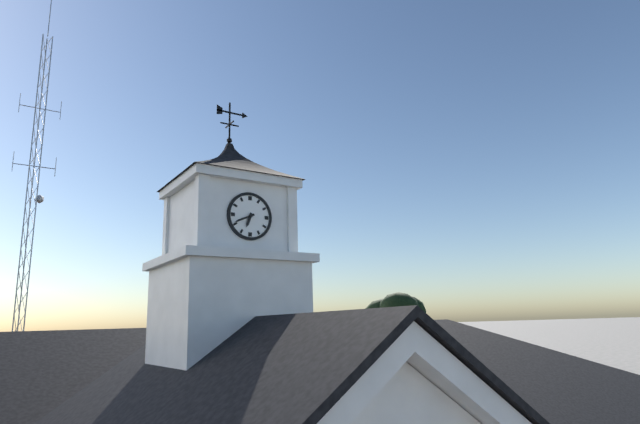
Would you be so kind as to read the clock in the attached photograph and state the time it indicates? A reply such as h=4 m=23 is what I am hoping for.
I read h=6 m=41
